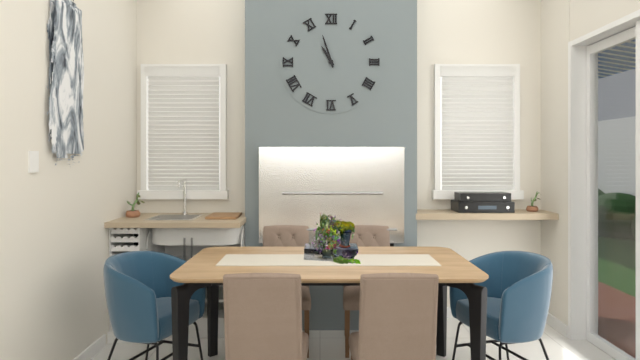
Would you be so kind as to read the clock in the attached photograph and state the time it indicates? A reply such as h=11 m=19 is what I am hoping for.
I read h=10 m=57
